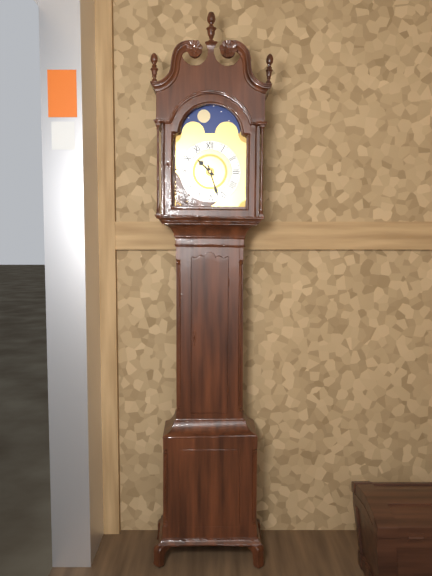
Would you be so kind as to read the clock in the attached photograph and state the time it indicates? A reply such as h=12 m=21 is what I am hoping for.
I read h=10 m=27
